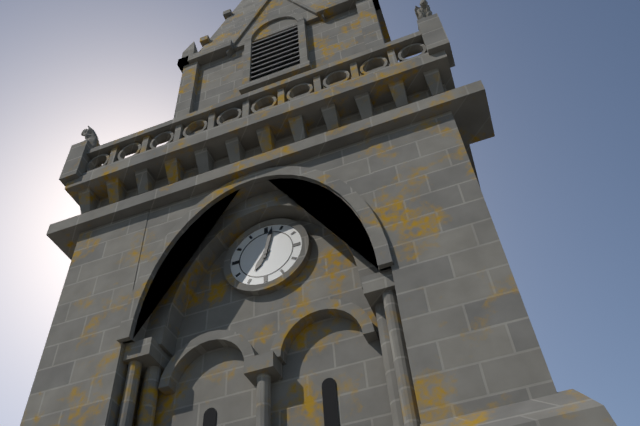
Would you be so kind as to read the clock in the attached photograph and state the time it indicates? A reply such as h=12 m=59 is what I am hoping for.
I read h=7 m=2
